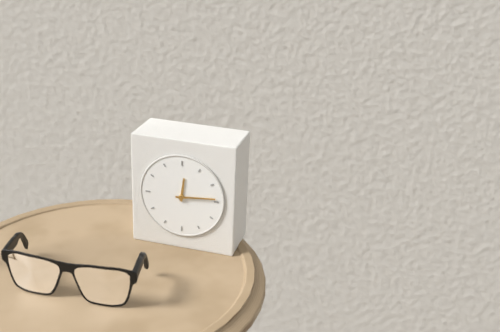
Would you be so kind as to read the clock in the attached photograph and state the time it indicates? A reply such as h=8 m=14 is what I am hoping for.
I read h=12 m=14
